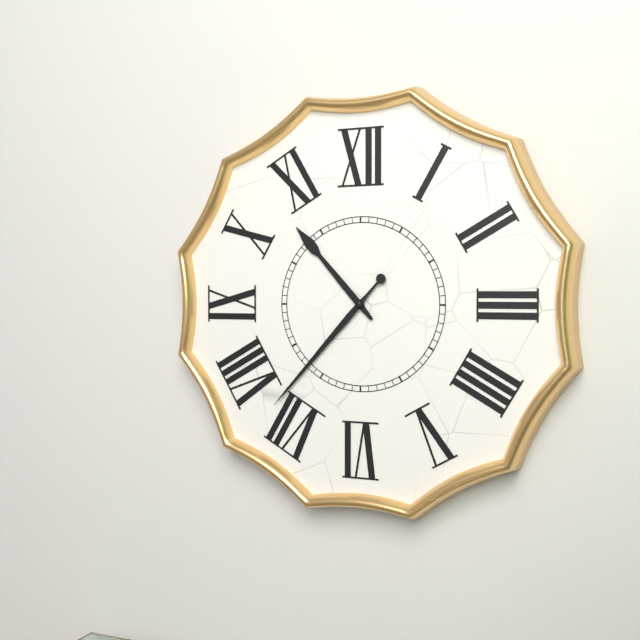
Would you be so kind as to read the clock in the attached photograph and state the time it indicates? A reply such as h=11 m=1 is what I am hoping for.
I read h=10 m=37
